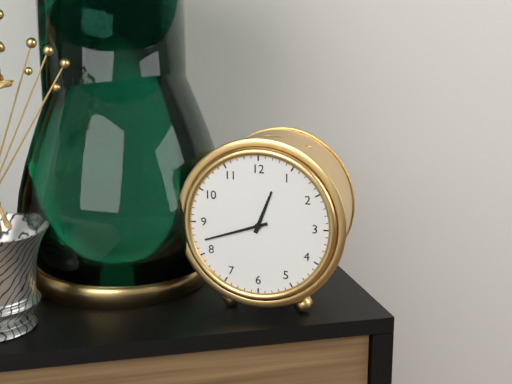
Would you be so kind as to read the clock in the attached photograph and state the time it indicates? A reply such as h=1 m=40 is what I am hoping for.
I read h=12 m=42
